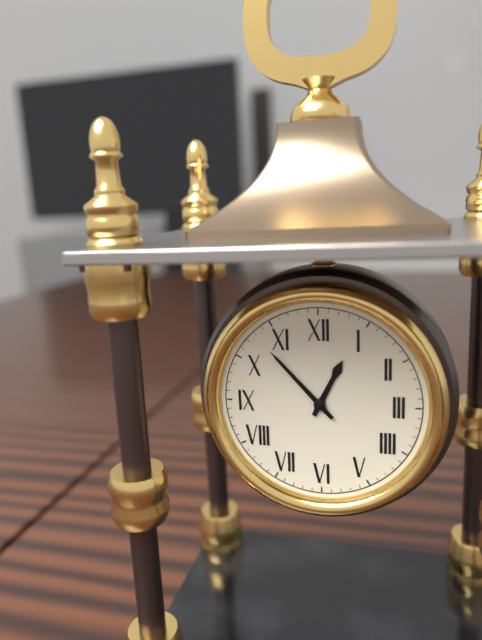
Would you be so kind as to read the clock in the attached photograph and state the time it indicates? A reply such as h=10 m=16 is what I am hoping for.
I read h=12 m=53
